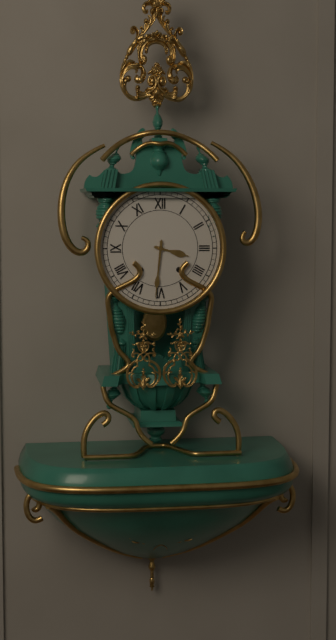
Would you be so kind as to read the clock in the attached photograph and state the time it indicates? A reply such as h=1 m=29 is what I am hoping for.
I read h=3 m=31
